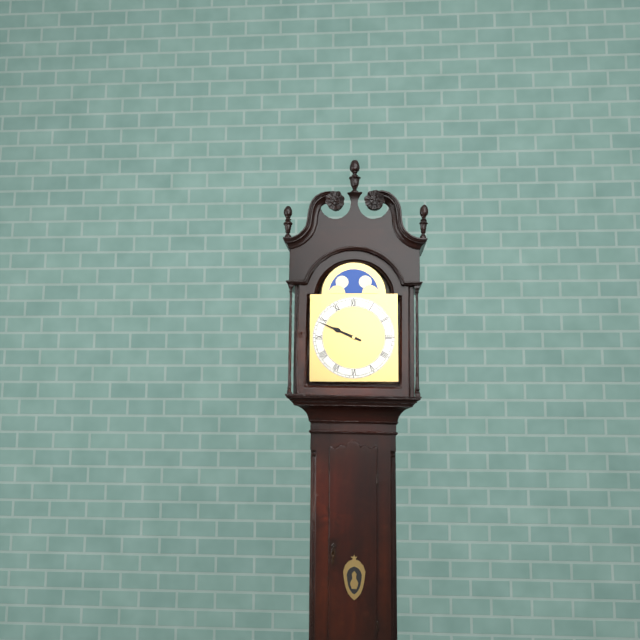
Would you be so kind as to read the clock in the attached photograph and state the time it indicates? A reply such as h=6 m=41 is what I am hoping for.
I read h=9 m=49
